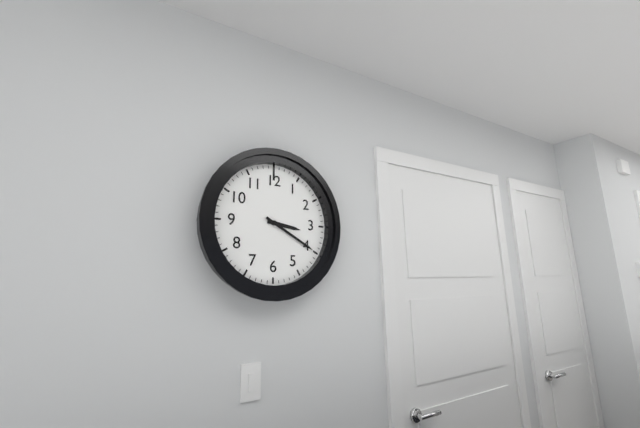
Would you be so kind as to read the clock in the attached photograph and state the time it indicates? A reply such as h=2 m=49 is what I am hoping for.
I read h=3 m=20
